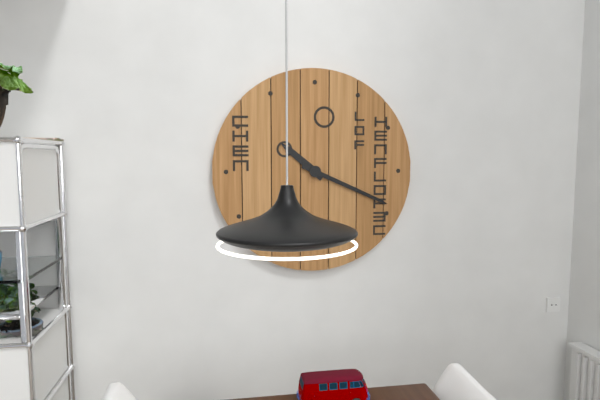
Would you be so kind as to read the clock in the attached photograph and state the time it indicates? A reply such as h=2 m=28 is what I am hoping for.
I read h=10 m=19
